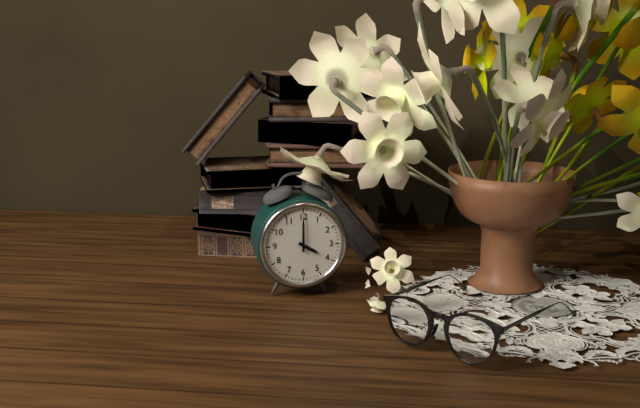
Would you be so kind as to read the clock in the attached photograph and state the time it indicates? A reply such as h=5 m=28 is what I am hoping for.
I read h=4 m=0
